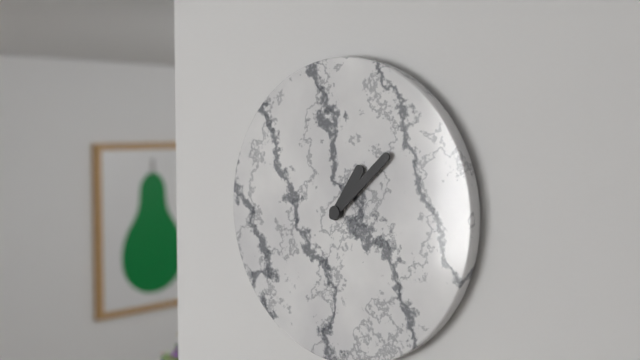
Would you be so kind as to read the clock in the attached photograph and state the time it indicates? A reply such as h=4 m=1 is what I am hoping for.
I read h=1 m=8
